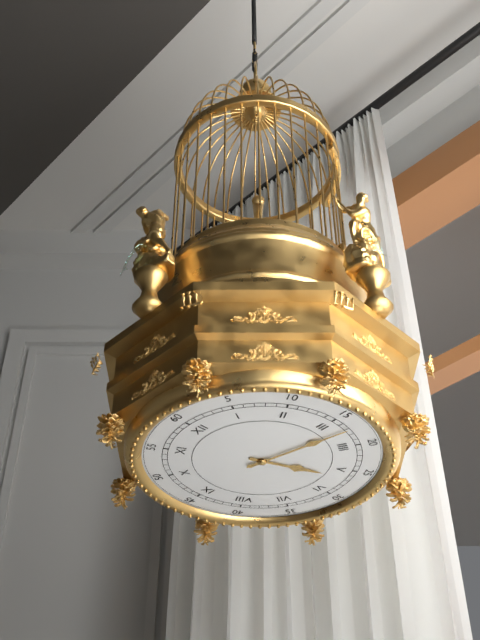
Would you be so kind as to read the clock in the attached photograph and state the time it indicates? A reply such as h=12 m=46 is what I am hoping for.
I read h=5 m=17
